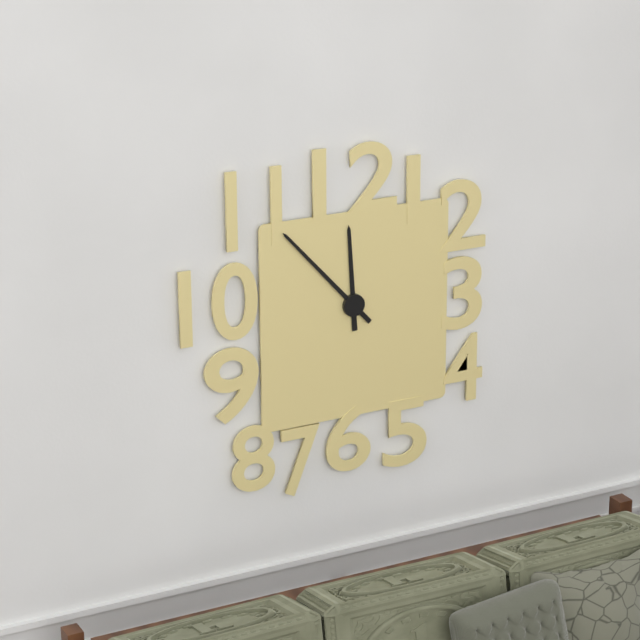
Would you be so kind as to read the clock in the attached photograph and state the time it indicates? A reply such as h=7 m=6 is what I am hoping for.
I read h=11 m=53
